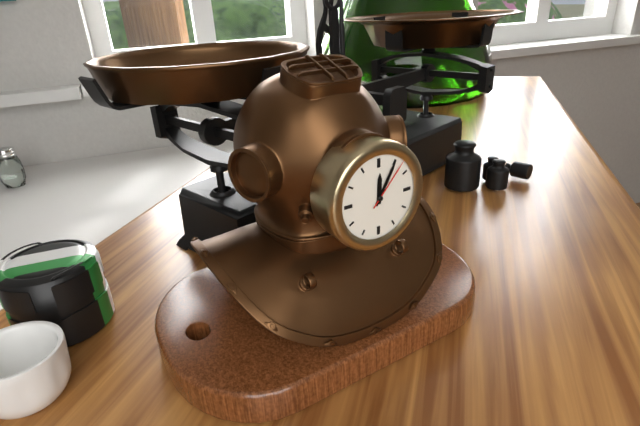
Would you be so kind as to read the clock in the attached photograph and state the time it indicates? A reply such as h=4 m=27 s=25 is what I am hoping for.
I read h=12 m=5 s=7
